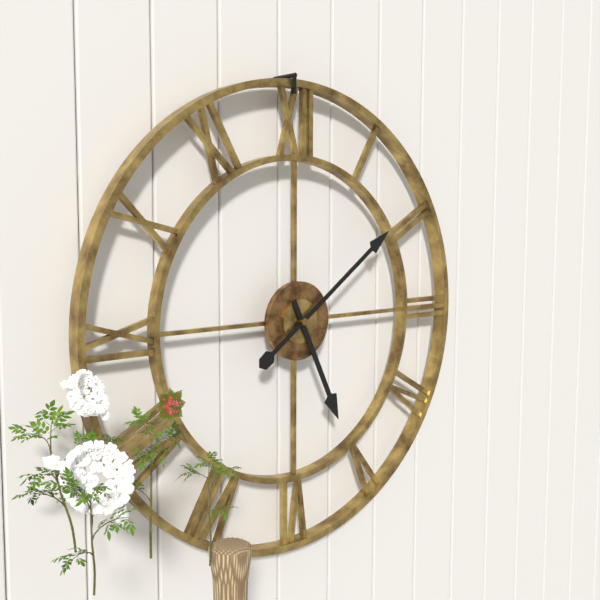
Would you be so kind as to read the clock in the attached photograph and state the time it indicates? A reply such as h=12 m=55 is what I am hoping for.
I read h=5 m=9
